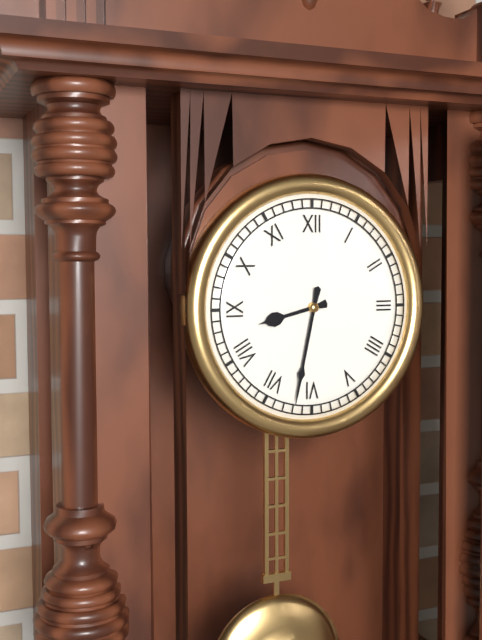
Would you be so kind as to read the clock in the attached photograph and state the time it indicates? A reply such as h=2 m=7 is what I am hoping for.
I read h=8 m=32
